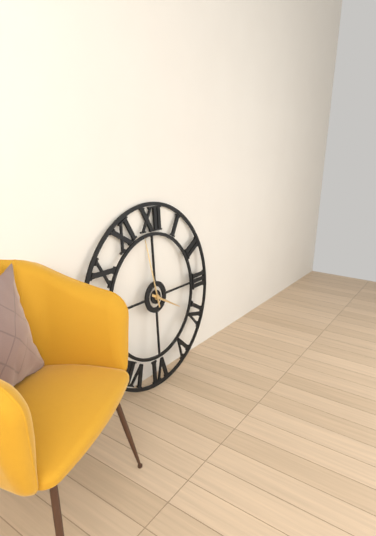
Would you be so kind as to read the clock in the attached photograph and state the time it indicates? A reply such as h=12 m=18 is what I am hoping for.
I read h=3 m=58
